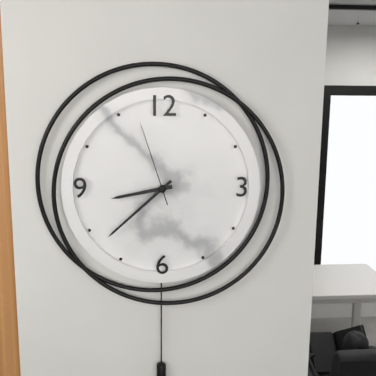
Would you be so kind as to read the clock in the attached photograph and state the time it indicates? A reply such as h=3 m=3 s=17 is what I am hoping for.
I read h=8 m=38 s=57
